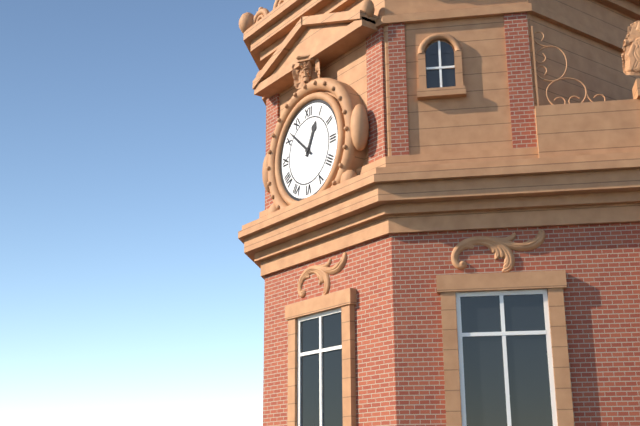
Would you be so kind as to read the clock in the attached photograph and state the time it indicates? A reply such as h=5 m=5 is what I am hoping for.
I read h=12 m=52
